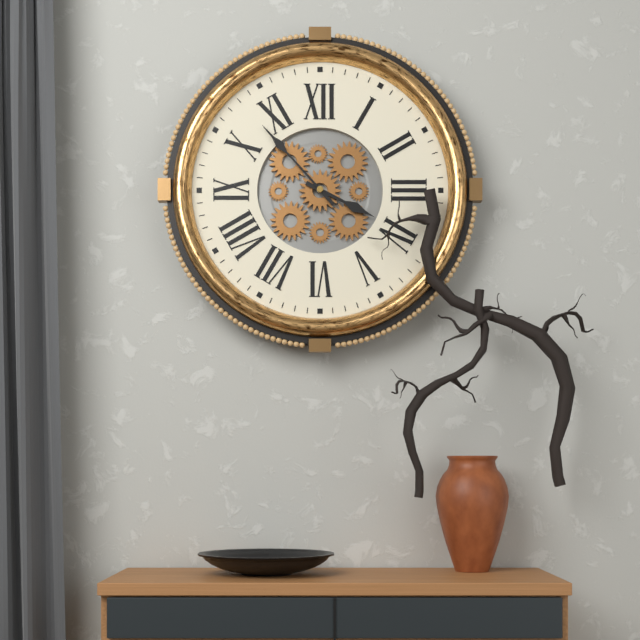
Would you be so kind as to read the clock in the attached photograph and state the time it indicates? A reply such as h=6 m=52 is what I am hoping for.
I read h=3 m=53
